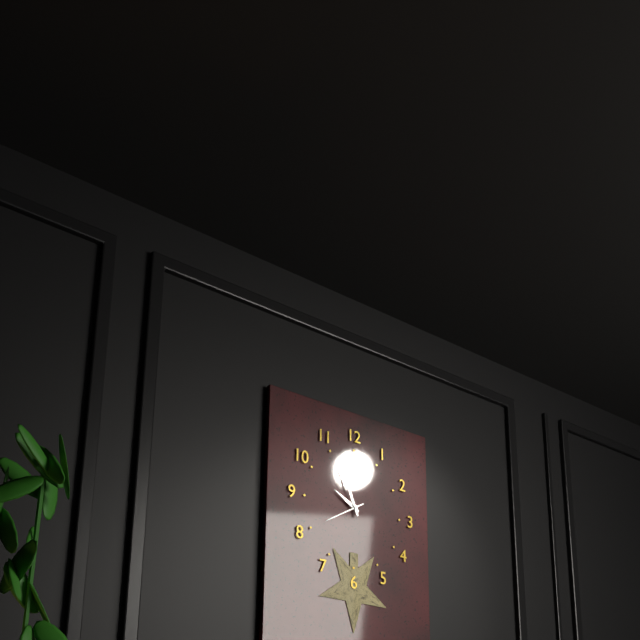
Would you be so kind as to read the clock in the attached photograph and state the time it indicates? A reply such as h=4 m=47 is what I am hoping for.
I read h=9 m=56
